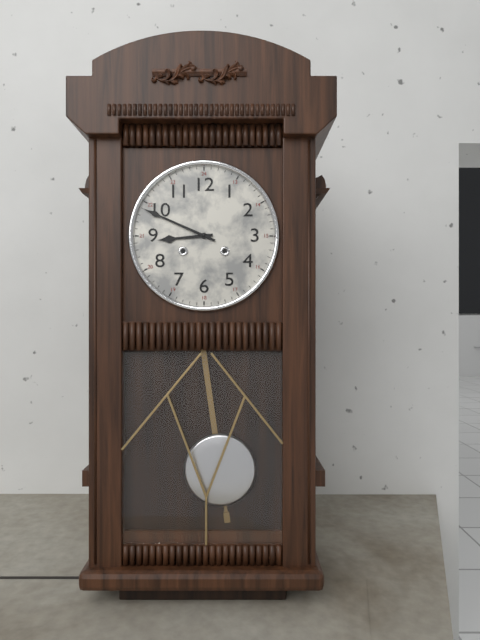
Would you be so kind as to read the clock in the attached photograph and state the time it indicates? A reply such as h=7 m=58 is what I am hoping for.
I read h=8 m=49
